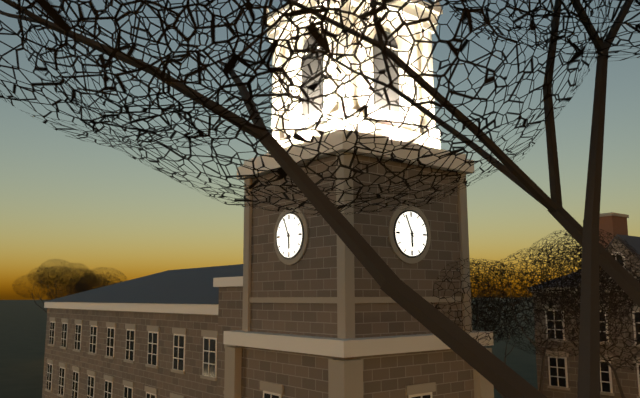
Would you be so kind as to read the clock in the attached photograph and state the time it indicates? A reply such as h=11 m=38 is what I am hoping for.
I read h=5 m=56
